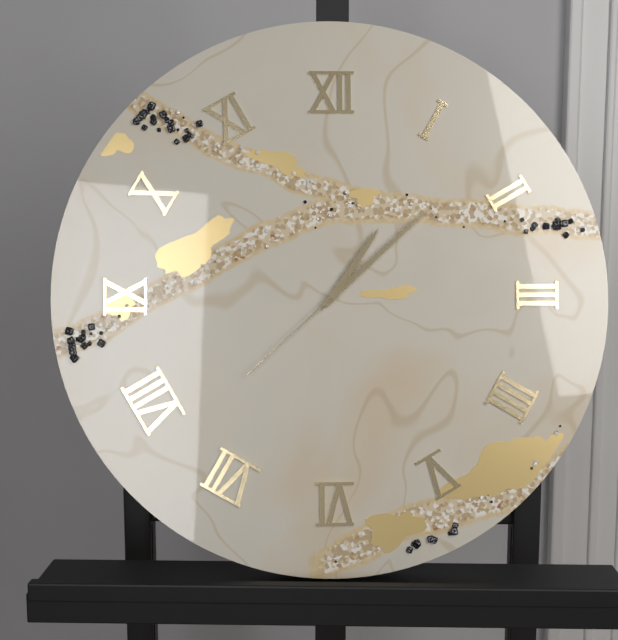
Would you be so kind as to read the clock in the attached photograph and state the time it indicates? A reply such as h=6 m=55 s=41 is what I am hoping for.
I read h=1 m=8 s=38
